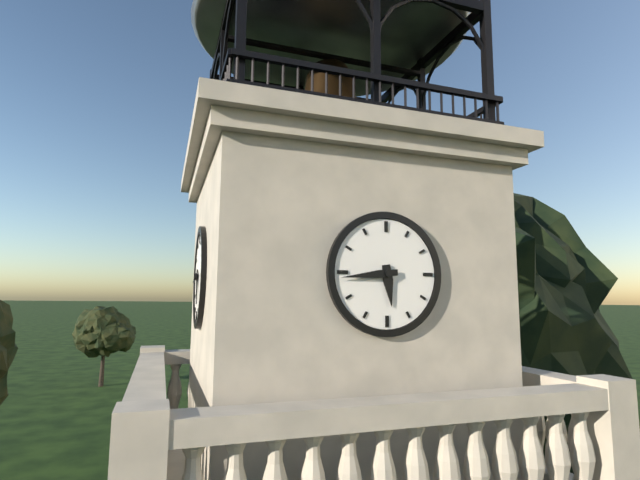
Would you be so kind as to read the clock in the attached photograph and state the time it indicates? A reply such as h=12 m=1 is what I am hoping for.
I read h=5 m=44
